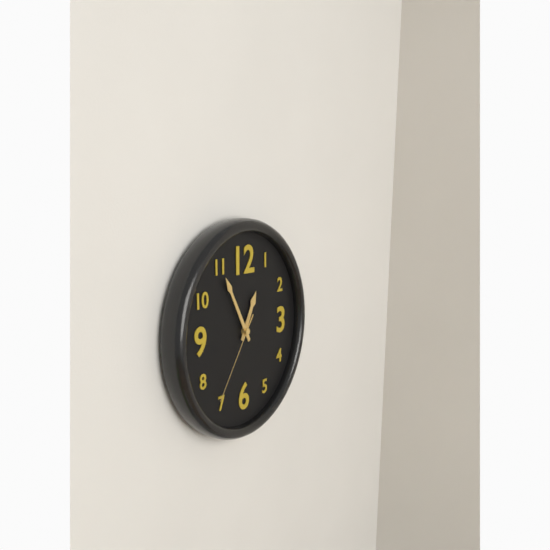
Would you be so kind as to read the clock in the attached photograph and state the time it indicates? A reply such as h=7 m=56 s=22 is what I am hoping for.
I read h=12 m=55 s=36
